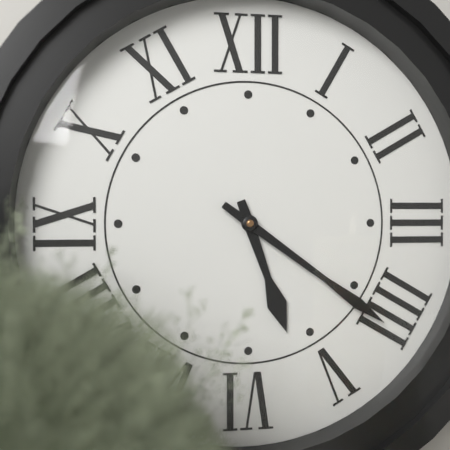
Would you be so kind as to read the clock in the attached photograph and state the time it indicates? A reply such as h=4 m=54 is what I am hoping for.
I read h=5 m=21
